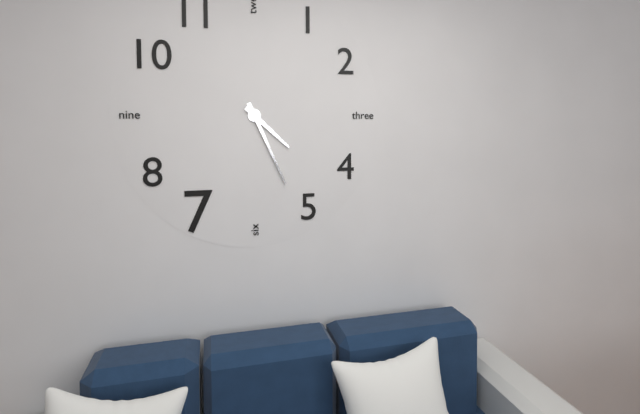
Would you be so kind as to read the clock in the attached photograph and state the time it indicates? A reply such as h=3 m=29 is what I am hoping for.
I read h=4 m=26
